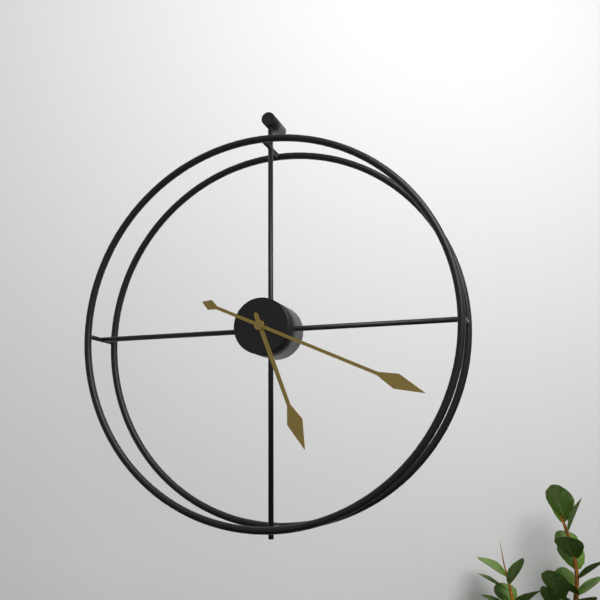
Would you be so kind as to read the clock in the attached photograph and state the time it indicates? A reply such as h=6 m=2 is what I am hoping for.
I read h=5 m=19
